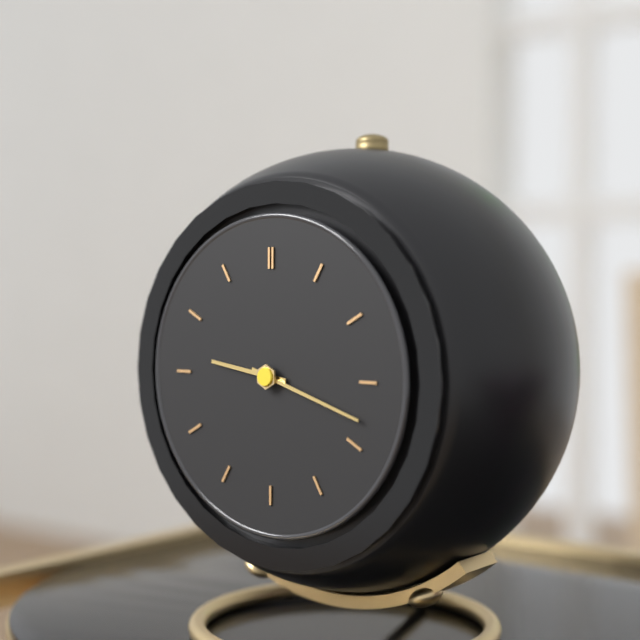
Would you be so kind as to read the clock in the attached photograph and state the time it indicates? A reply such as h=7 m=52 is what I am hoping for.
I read h=9 m=18
